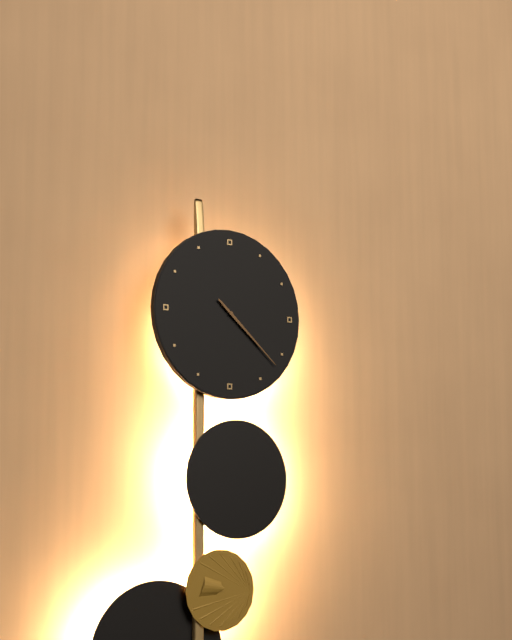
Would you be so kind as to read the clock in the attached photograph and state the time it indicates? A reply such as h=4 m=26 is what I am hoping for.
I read h=4 m=22
